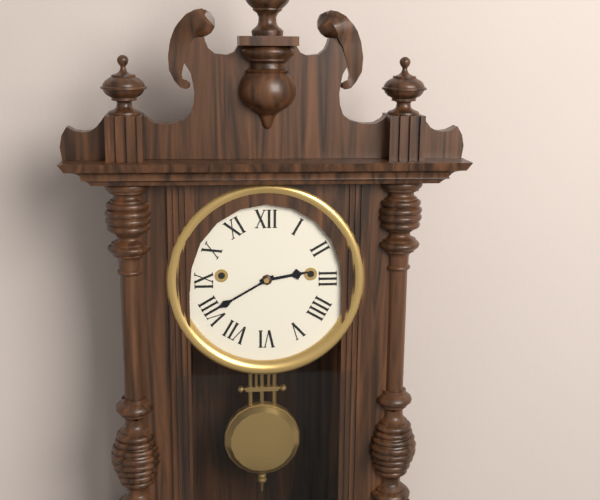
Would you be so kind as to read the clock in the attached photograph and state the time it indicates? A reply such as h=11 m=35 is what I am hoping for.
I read h=2 m=40
